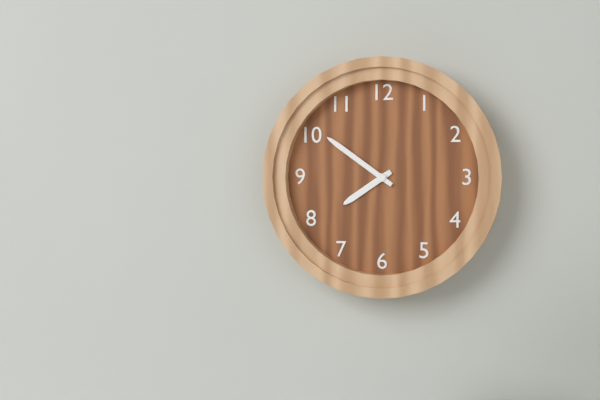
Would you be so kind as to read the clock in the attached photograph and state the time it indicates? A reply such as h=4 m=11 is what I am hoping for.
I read h=7 m=51
